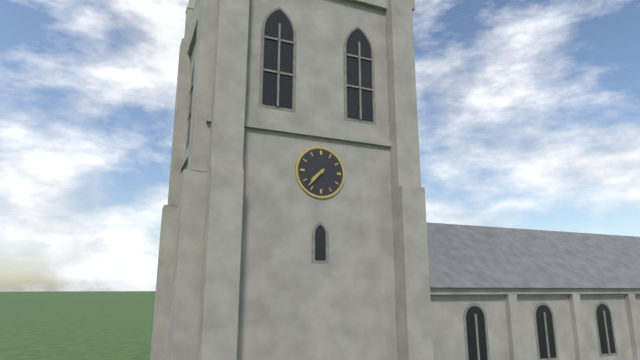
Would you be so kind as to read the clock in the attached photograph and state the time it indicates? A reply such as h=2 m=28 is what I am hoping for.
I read h=7 m=37
